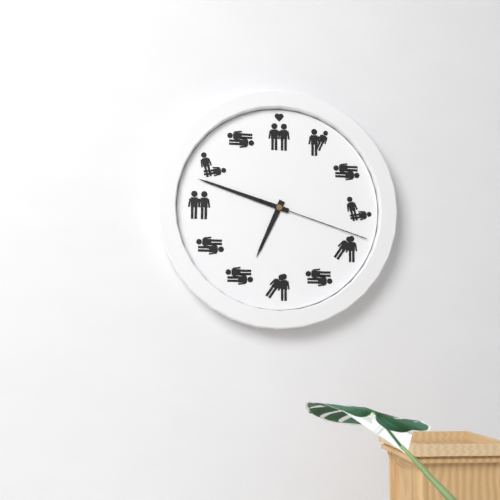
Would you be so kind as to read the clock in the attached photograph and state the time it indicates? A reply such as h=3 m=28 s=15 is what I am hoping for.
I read h=6 m=48 s=18
